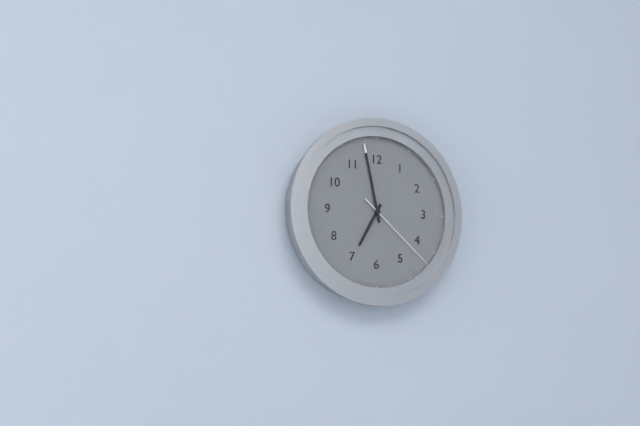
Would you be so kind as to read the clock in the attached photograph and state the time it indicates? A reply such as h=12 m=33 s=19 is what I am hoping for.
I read h=6 m=58 s=22
